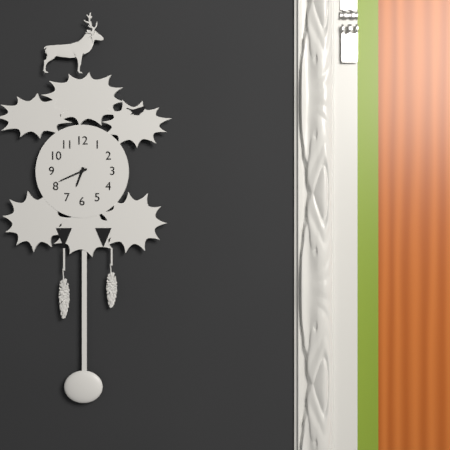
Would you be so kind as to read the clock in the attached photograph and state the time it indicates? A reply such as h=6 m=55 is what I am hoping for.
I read h=6 m=41
